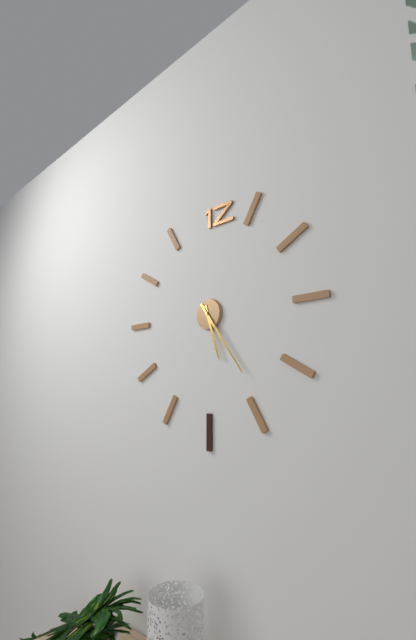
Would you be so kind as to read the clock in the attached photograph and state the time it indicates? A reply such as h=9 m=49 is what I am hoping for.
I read h=5 m=24
